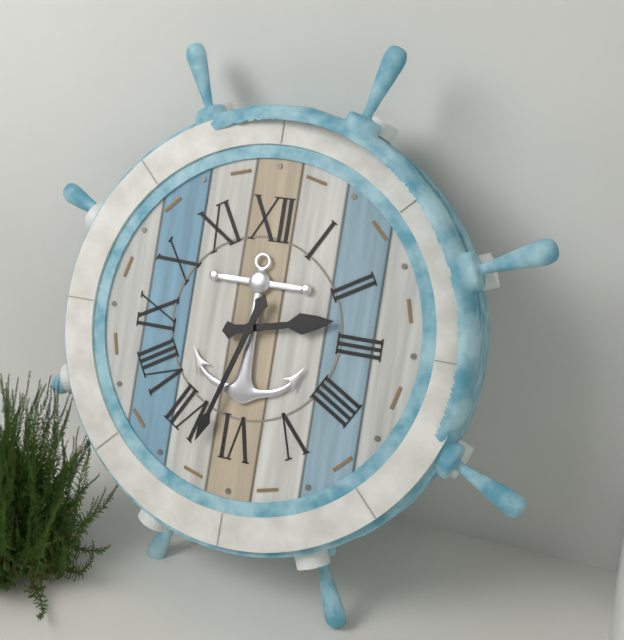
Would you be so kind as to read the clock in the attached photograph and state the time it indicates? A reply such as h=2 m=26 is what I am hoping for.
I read h=2 m=33
